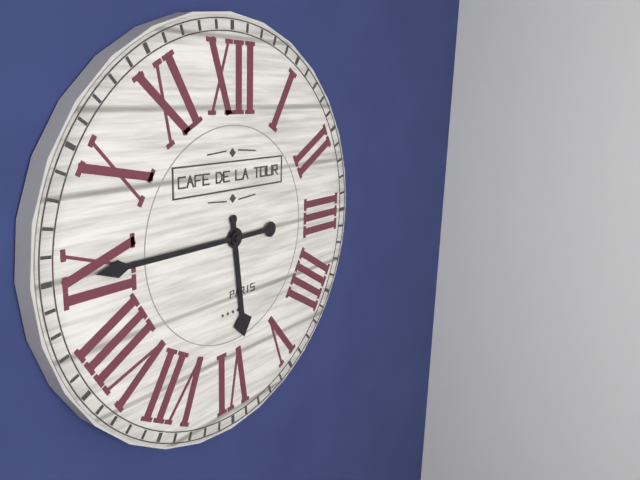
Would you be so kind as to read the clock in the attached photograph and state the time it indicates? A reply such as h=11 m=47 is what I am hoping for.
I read h=5 m=45
